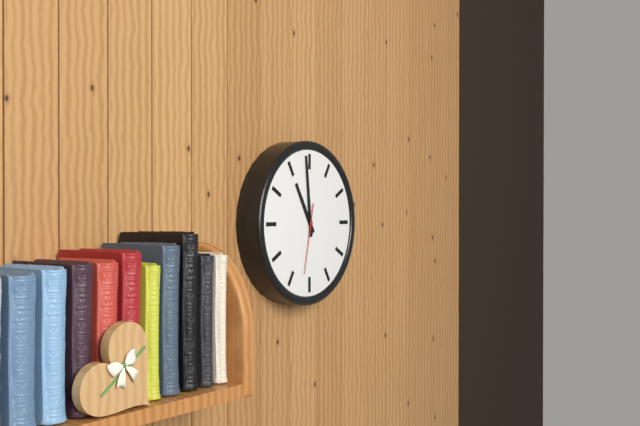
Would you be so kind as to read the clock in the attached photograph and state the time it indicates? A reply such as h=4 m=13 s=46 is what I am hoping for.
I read h=10 m=59 s=32
